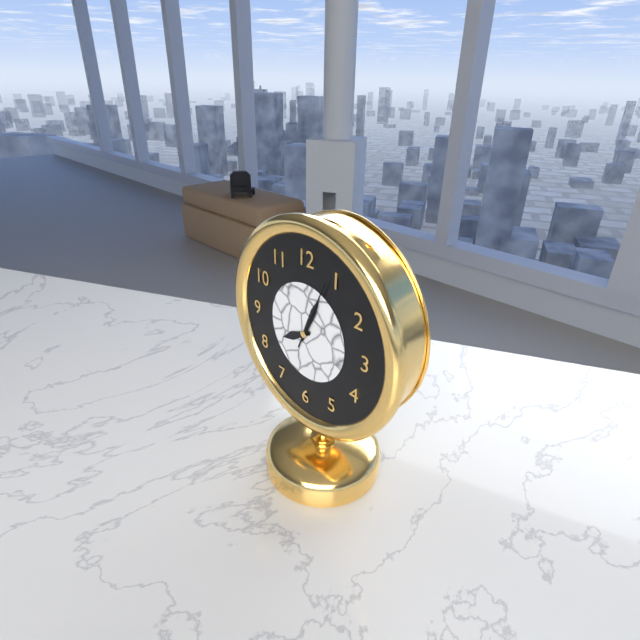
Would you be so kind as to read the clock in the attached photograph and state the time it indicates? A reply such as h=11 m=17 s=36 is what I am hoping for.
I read h=8 m=4 s=4
